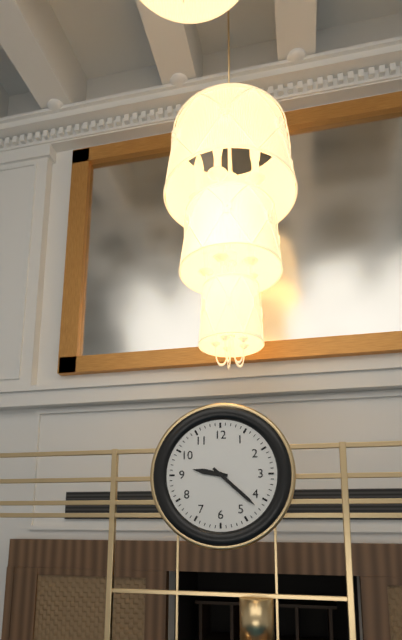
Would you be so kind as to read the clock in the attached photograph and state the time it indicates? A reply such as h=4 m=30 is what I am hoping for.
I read h=9 m=22
